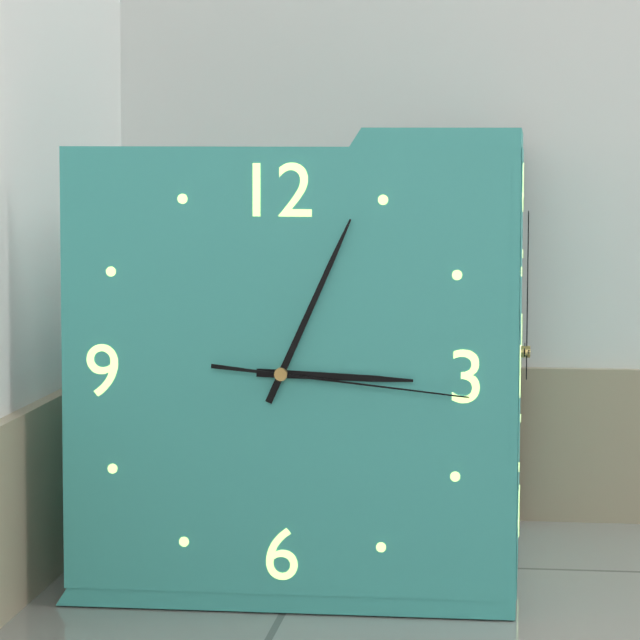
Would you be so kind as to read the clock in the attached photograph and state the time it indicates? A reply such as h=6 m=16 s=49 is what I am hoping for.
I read h=3 m=4 s=16
